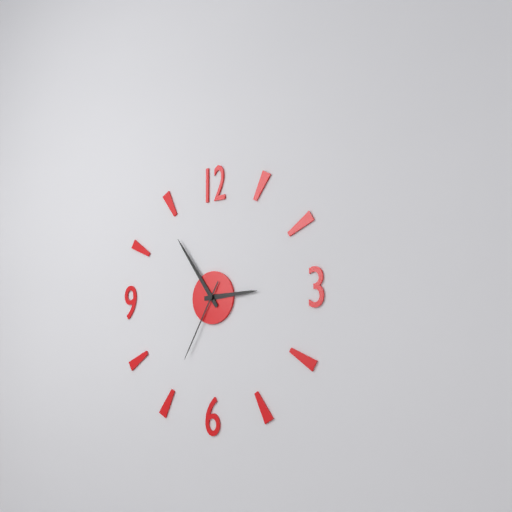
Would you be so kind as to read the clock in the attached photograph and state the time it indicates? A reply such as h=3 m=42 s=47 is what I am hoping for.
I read h=2 m=54 s=35
